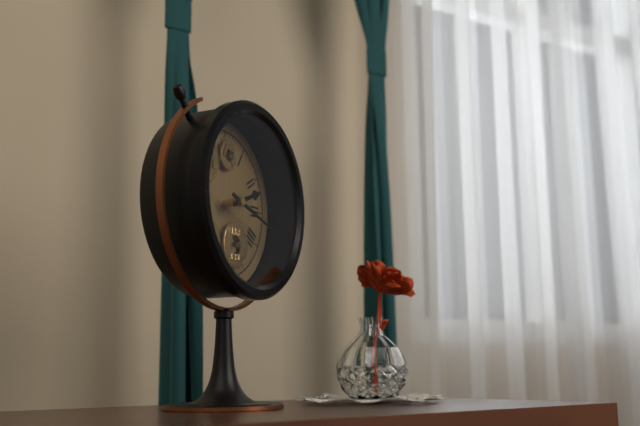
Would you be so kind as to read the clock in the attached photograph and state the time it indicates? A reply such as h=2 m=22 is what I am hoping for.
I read h=2 m=18
